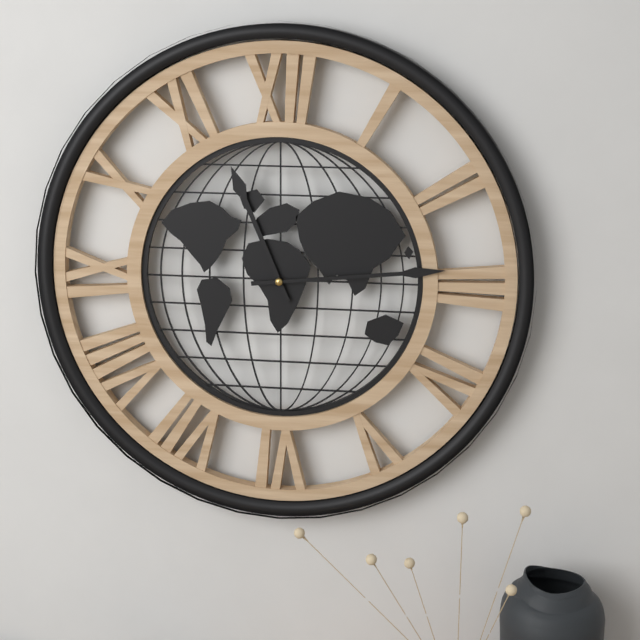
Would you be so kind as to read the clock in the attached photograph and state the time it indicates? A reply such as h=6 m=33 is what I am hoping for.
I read h=11 m=14
